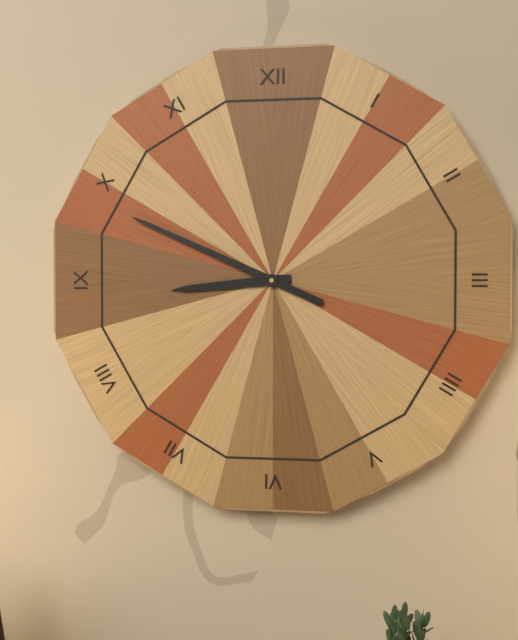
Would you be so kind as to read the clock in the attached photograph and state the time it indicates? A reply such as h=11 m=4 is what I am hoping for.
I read h=8 m=49
